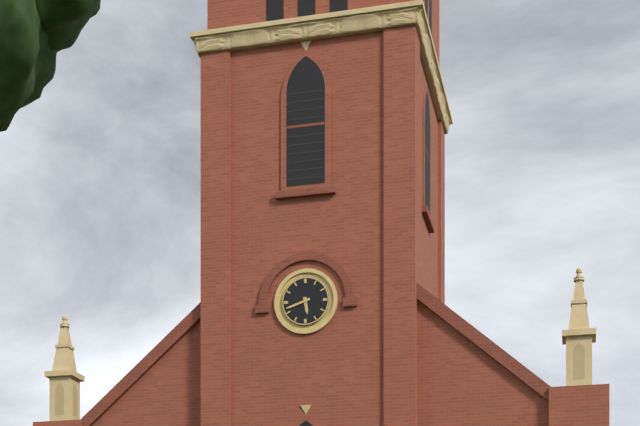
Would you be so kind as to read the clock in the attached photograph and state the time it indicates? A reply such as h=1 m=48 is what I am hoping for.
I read h=5 m=42
